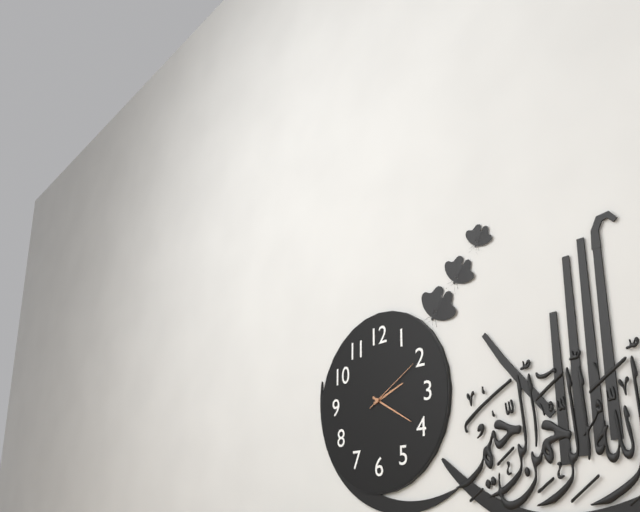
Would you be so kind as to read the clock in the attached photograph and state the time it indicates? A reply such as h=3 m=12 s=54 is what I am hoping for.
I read h=2 m=20 s=10
